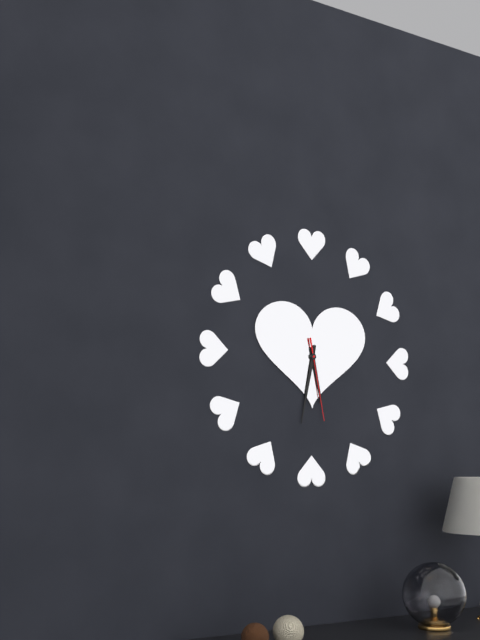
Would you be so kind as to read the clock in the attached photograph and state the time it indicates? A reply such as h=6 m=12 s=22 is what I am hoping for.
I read h=5 m=32 s=28
